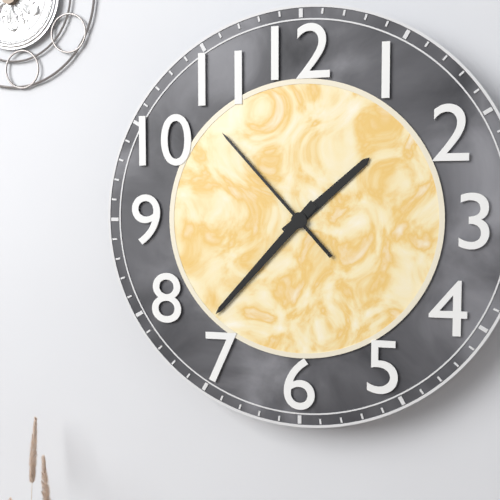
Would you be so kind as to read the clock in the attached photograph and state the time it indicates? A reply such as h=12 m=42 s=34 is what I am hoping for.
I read h=1 m=37 s=53
